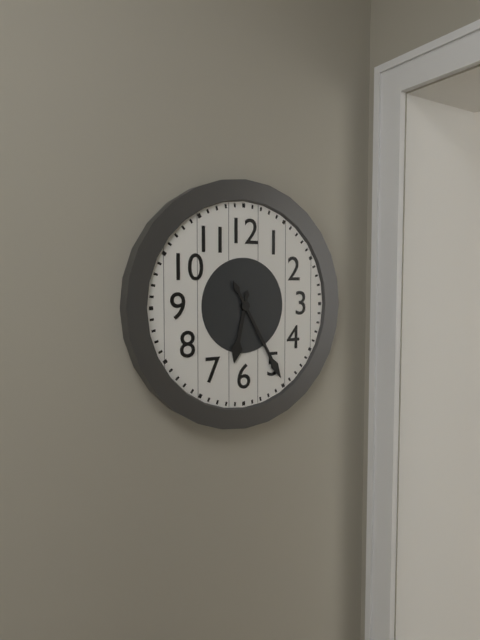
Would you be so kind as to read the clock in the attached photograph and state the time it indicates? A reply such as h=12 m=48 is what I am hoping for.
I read h=6 m=25
